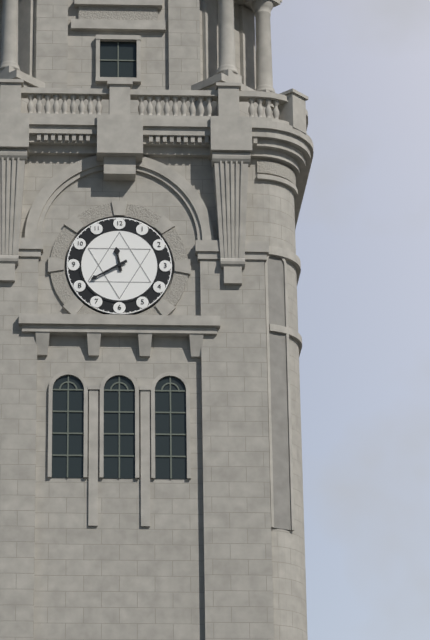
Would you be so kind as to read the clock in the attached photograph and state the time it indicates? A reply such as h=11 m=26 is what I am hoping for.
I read h=11 m=40
